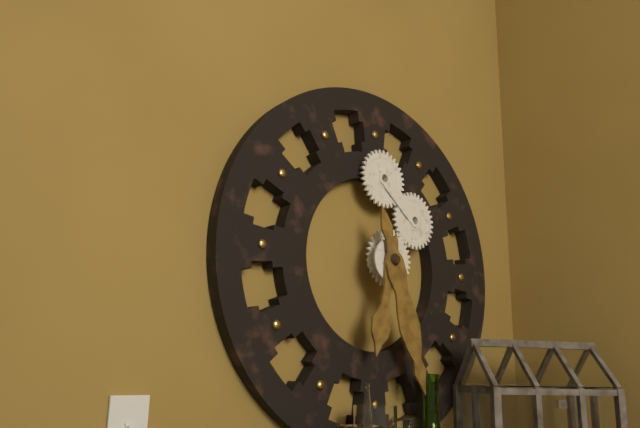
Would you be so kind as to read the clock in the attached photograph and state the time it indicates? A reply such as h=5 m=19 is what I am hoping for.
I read h=6 m=27
